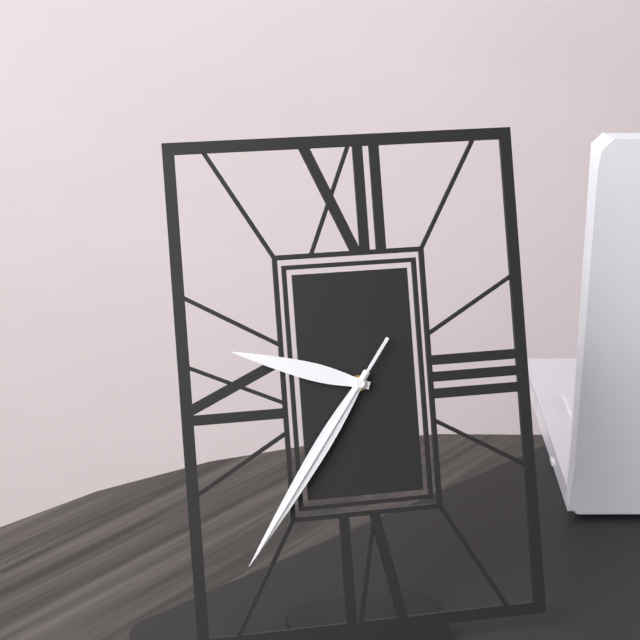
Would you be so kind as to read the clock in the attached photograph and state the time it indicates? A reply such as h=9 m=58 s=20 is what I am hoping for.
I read h=9 m=36 s=36
